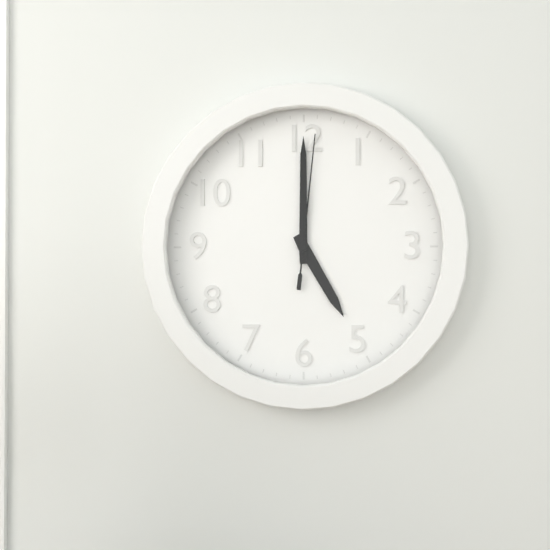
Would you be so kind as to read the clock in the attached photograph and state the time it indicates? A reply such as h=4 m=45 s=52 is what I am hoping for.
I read h=5 m=0 s=1
